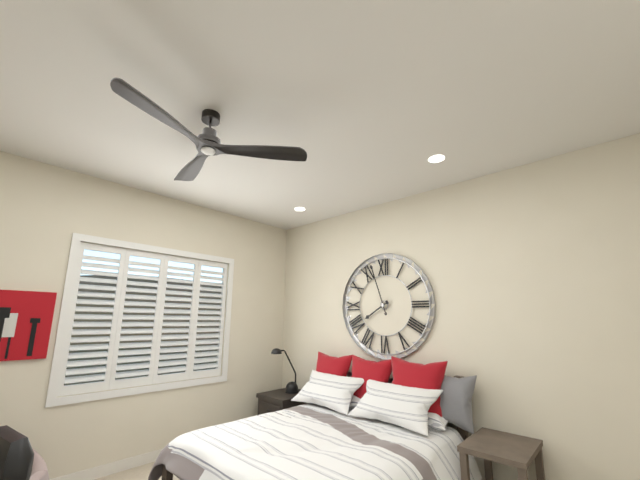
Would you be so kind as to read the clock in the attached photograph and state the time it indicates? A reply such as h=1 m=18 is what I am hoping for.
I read h=7 m=57
